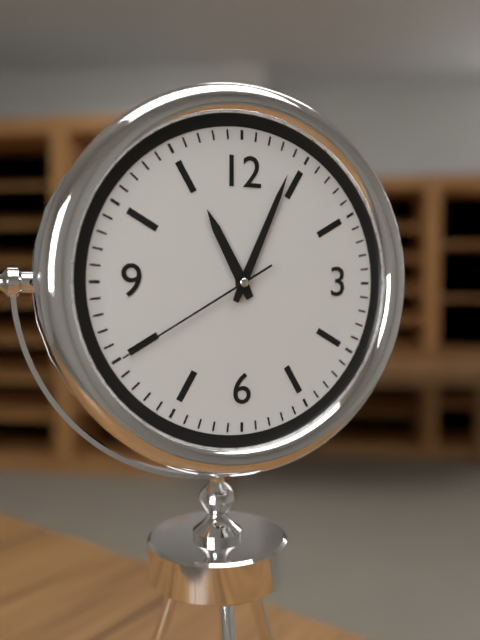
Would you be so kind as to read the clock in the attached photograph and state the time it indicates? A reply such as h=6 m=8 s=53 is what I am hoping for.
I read h=11 m=4 s=40
